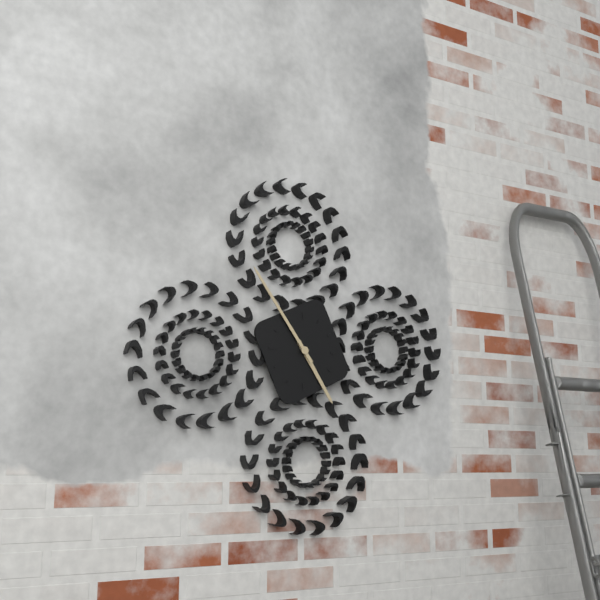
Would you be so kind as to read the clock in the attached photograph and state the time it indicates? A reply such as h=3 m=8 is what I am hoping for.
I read h=4 m=54
